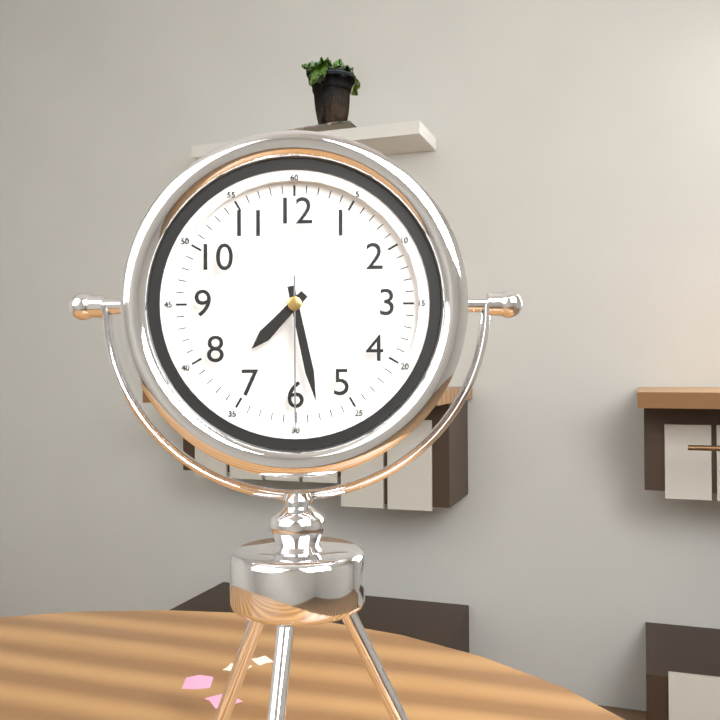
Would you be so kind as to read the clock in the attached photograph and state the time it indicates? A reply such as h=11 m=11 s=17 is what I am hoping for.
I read h=7 m=28 s=30
